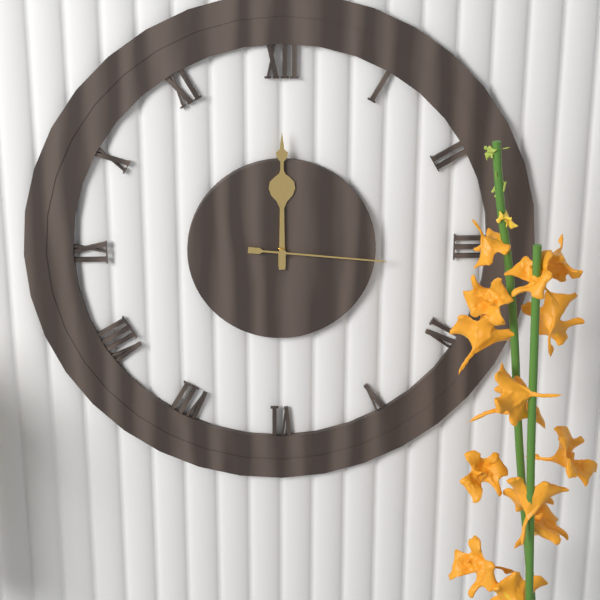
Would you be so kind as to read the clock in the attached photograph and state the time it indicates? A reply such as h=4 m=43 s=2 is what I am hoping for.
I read h=12 m=0 s=16
